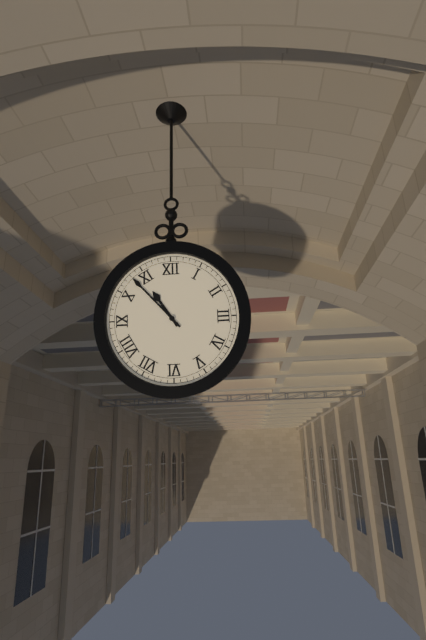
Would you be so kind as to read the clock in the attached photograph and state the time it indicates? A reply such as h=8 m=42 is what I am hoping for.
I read h=10 m=53
